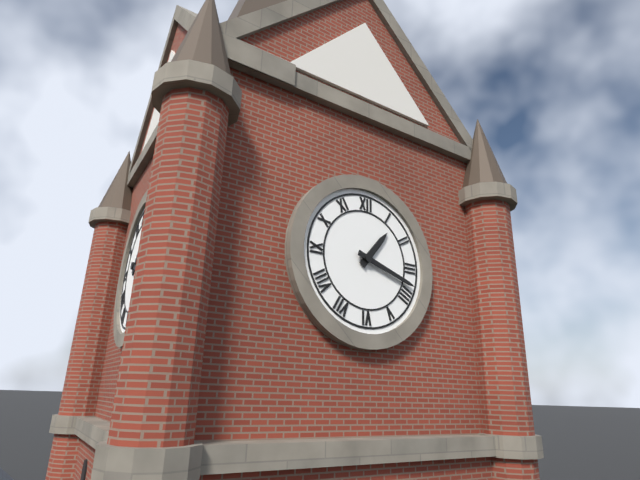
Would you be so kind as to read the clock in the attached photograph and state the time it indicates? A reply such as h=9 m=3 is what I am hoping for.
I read h=1 m=18
